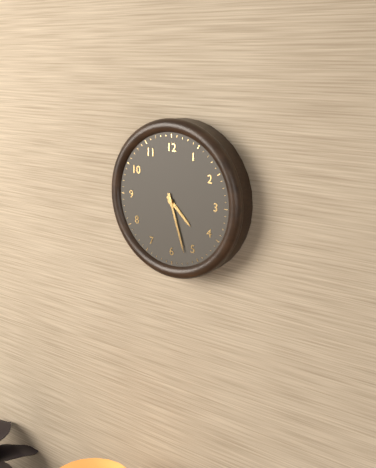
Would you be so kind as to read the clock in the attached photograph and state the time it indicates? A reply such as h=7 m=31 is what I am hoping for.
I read h=4 m=27
